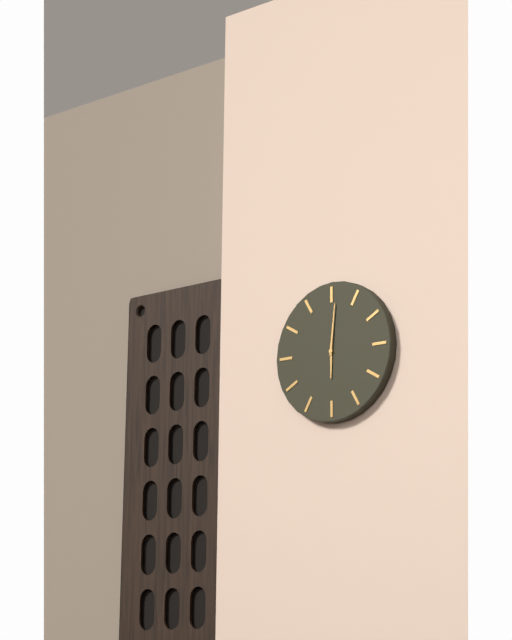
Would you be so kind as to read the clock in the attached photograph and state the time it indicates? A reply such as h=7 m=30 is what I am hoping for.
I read h=6 m=1
